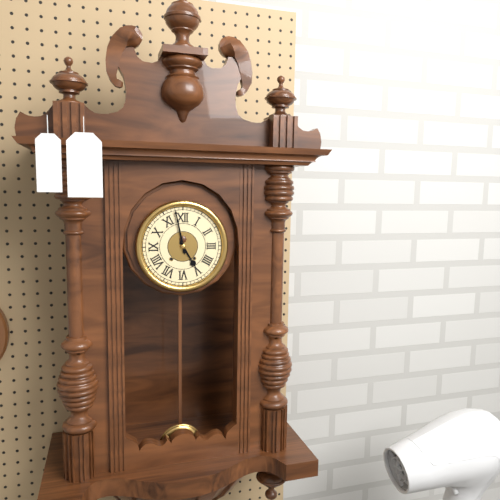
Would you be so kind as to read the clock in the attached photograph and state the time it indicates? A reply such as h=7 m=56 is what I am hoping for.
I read h=4 m=58
